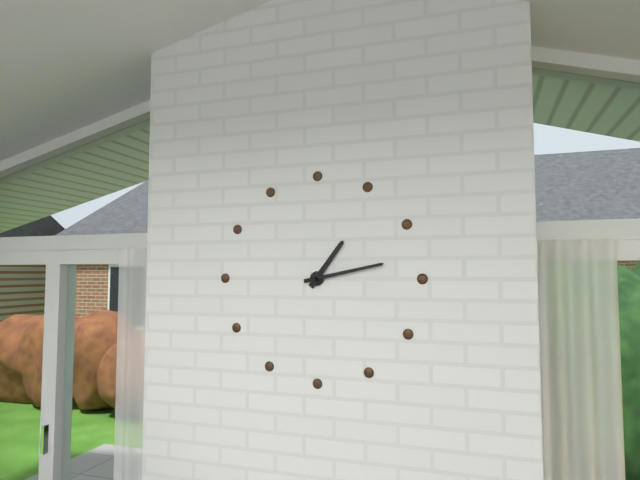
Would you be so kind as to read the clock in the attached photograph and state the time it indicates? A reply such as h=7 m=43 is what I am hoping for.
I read h=1 m=13
